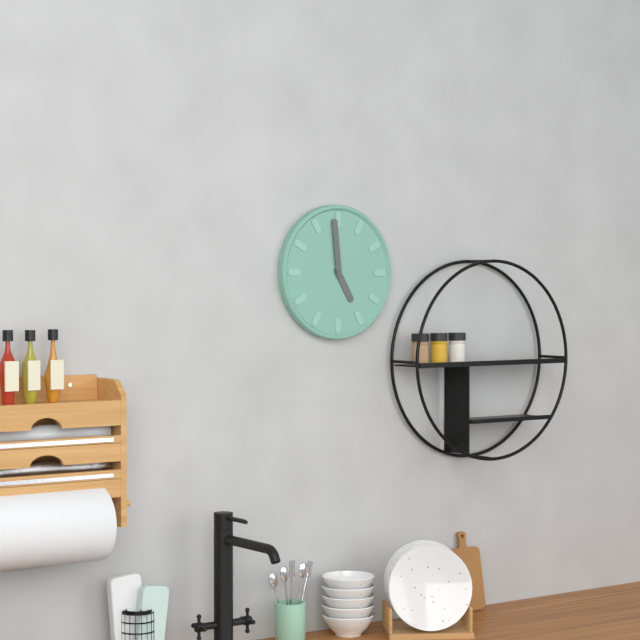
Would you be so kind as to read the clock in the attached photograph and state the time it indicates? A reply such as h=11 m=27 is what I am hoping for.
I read h=4 m=59
